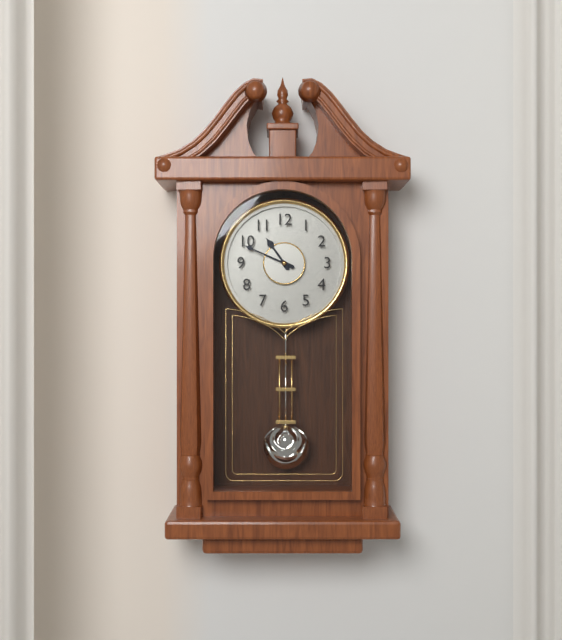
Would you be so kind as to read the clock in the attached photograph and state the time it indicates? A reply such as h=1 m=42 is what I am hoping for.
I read h=10 m=49
